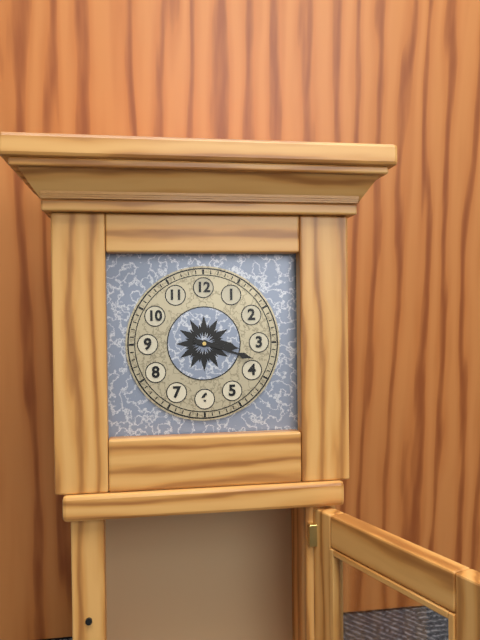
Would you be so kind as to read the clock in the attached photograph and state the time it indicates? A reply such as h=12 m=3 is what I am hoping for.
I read h=3 m=18
